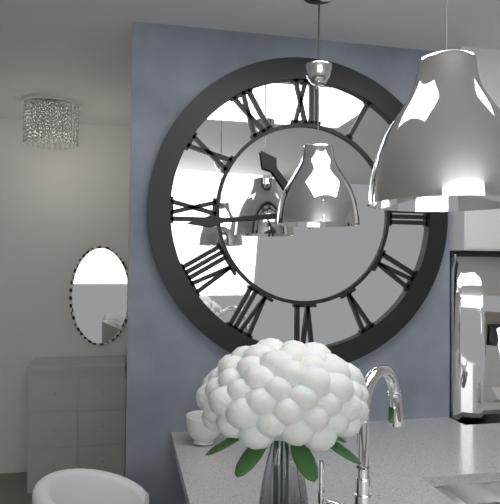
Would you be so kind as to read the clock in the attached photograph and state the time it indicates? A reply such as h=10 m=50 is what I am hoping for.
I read h=10 m=44
